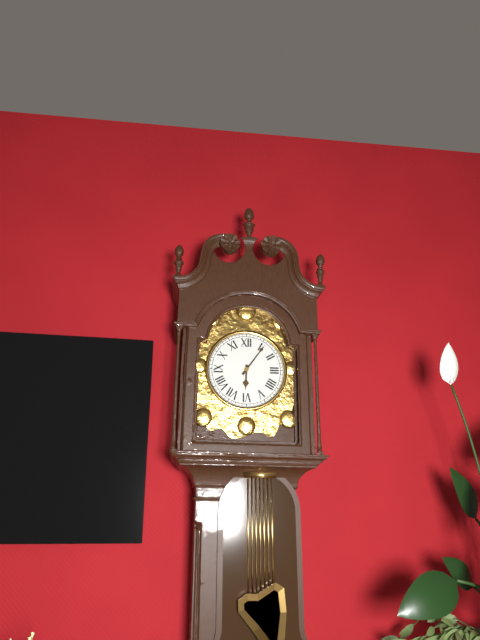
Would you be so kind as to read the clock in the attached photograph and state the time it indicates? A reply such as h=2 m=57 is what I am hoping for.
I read h=6 m=6
